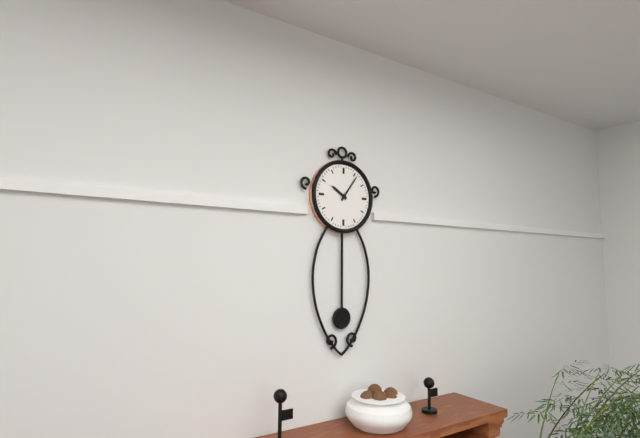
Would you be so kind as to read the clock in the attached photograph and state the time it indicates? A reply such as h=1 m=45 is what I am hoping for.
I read h=10 m=6
